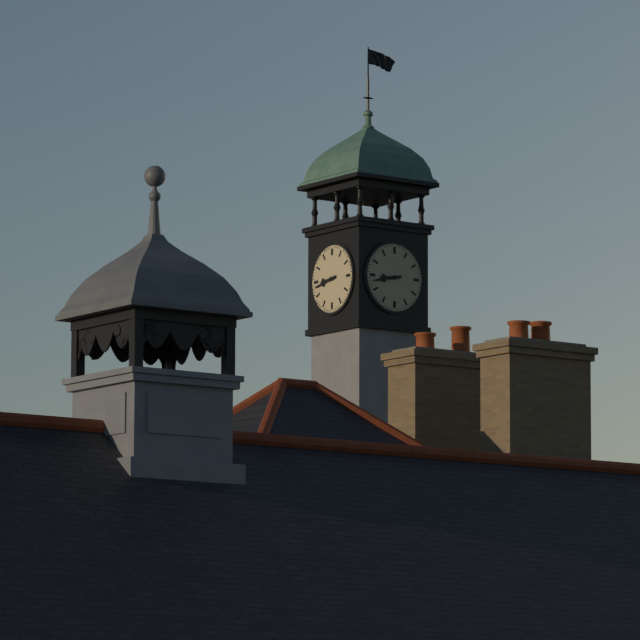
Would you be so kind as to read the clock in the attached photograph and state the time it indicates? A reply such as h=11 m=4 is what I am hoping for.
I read h=8 m=43
